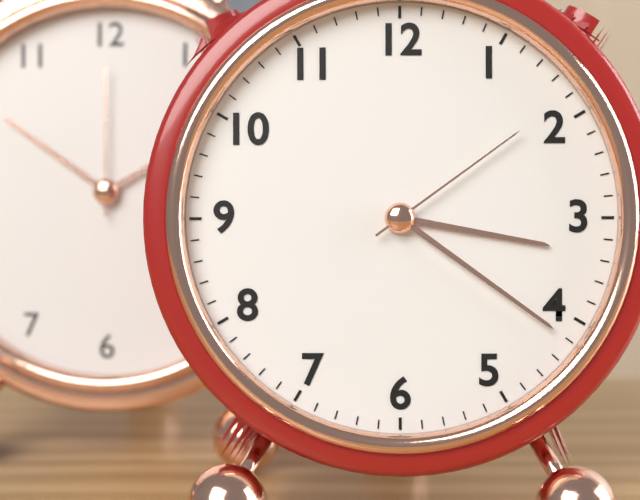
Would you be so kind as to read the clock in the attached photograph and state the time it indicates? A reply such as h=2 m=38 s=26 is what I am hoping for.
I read h=3 m=21 s=9
